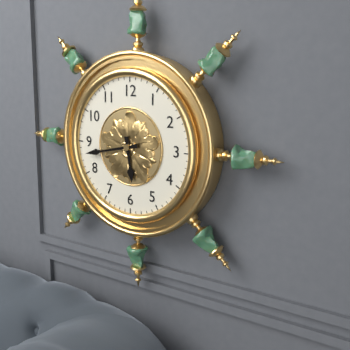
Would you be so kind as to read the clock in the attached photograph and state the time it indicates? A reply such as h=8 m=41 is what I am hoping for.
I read h=5 m=43
